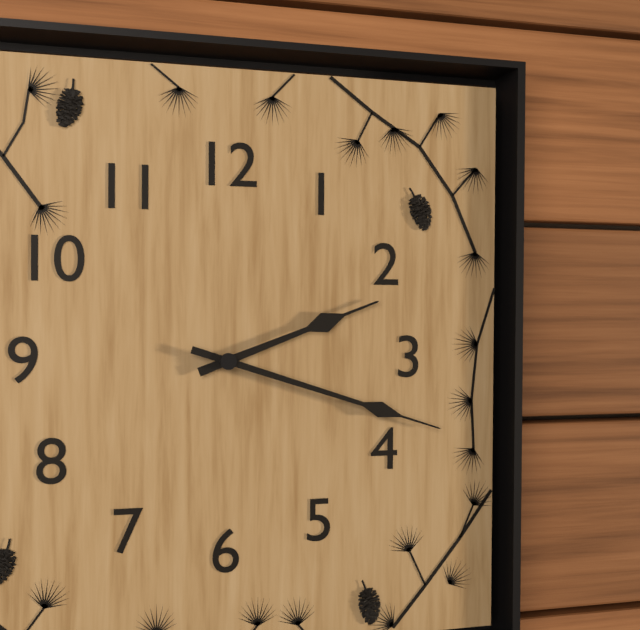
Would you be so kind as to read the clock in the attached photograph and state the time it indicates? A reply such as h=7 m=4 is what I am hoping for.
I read h=2 m=18
